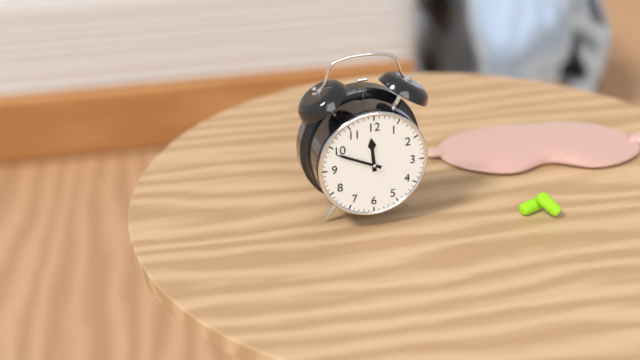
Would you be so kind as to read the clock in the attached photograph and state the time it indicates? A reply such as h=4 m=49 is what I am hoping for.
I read h=11 m=49
